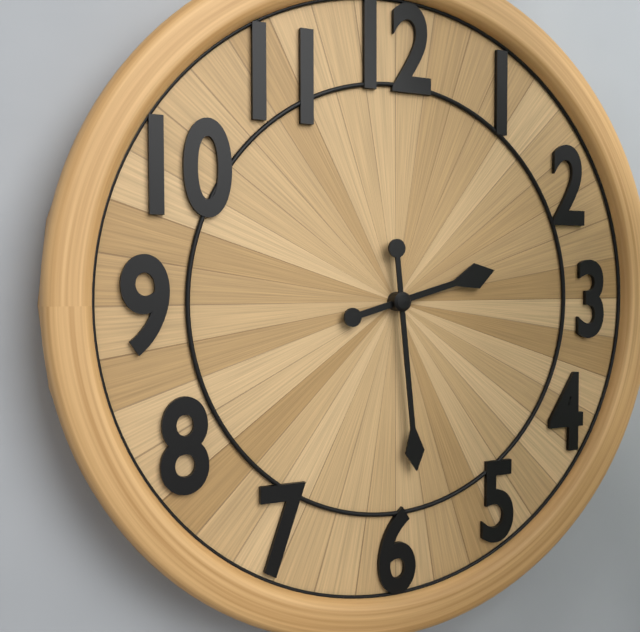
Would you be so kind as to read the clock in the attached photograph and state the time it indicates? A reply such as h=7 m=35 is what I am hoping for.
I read h=2 m=29
